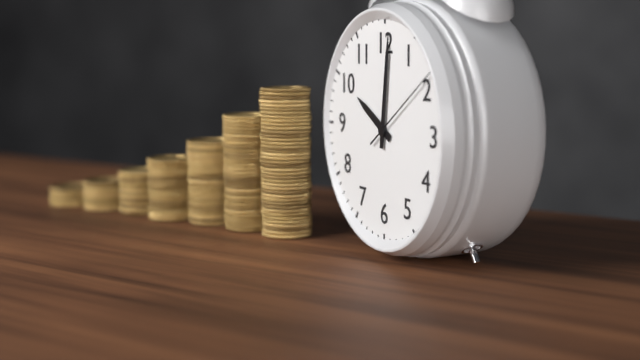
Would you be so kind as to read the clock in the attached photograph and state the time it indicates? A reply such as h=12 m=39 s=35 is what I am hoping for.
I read h=10 m=1 s=9
